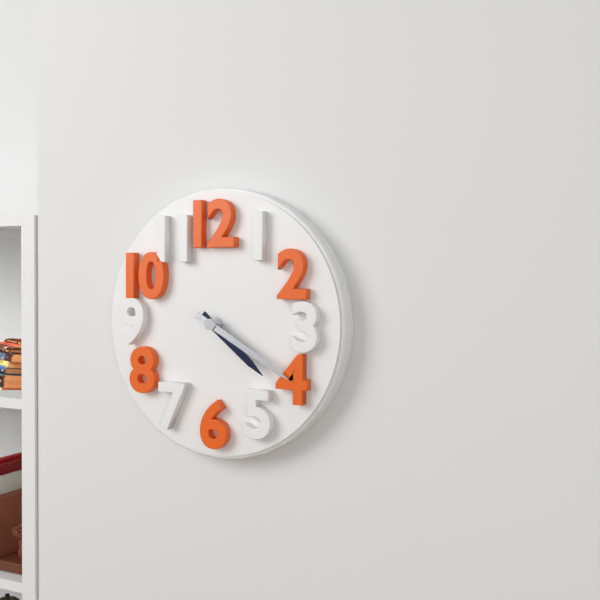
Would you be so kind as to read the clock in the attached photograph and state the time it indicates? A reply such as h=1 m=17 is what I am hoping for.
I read h=4 m=20
